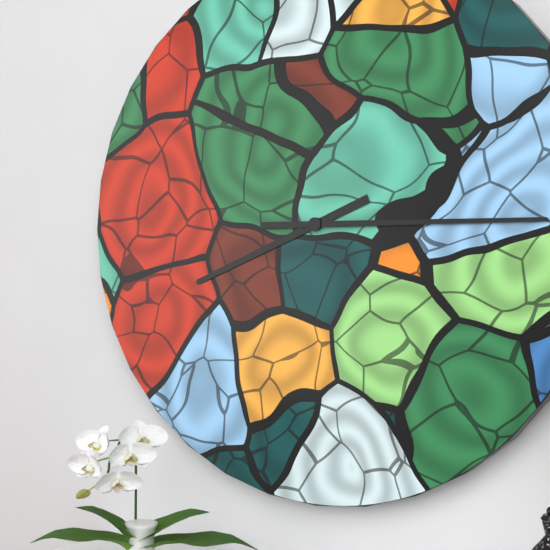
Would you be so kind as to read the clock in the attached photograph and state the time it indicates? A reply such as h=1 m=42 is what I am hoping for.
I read h=8 m=15
